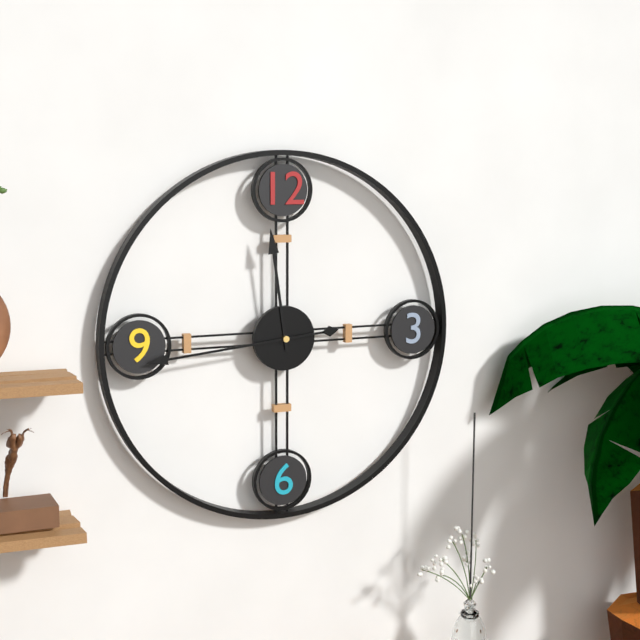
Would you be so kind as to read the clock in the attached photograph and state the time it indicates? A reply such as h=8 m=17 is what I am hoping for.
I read h=11 m=44
